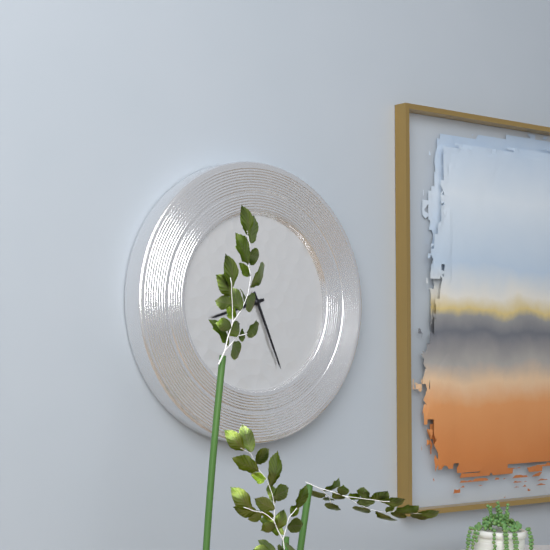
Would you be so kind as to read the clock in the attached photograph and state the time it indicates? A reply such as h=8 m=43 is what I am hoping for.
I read h=8 m=26
